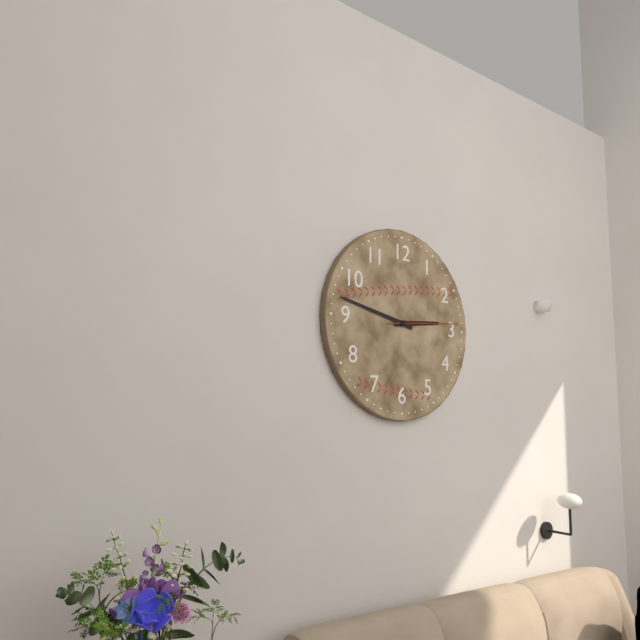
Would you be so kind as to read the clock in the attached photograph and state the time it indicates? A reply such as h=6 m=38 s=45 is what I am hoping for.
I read h=2 m=47 s=14
